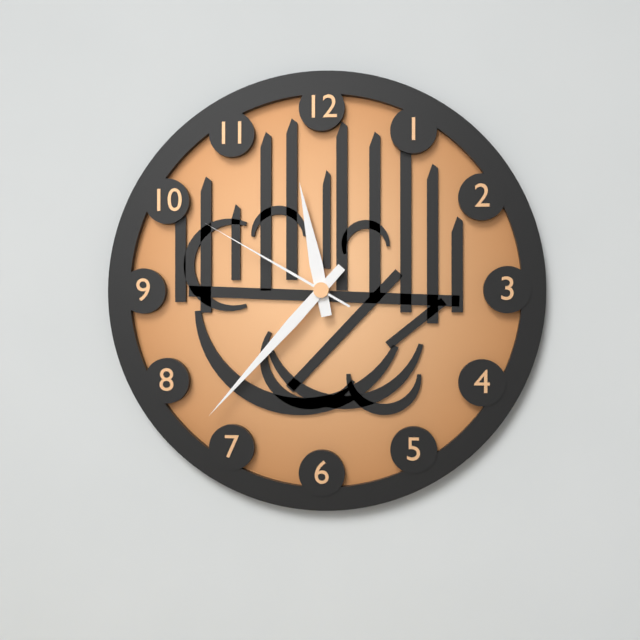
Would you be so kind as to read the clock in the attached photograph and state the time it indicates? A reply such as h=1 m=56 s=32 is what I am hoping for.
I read h=11 m=37 s=50
